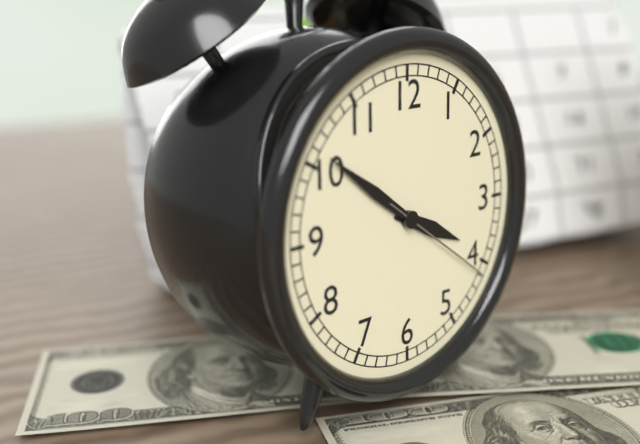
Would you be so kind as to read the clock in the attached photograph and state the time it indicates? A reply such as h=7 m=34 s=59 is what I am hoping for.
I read h=3 m=51 s=21
